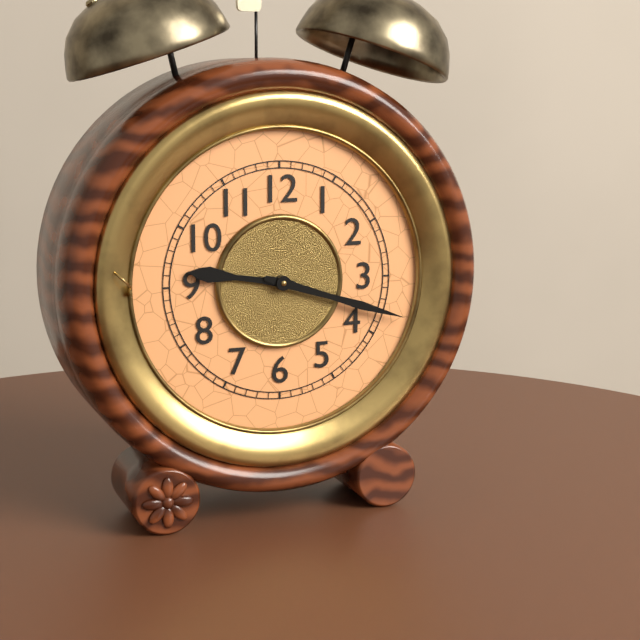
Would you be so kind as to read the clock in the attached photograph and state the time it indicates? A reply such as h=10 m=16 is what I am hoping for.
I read h=9 m=18
